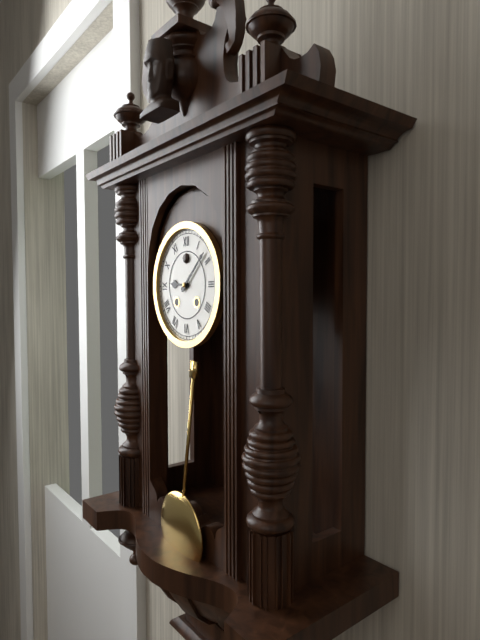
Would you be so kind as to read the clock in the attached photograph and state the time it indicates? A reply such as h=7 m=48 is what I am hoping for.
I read h=9 m=8
